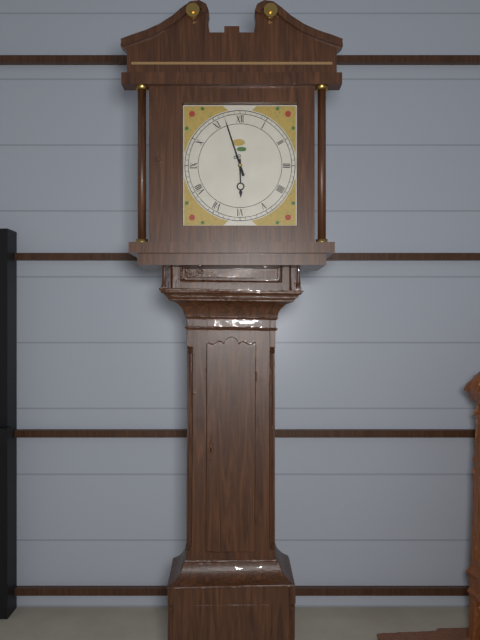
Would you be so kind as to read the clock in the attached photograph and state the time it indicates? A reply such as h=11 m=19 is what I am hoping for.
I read h=5 m=57
